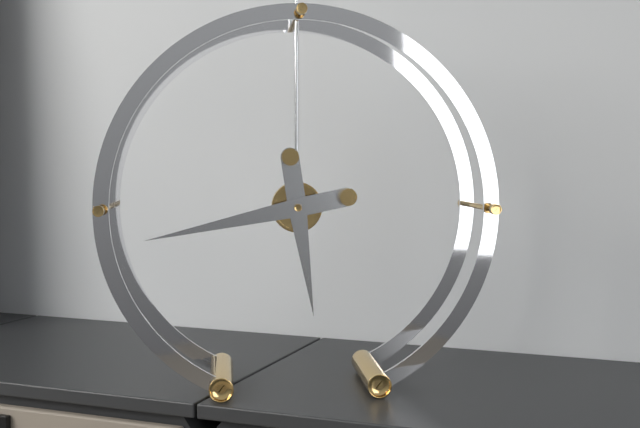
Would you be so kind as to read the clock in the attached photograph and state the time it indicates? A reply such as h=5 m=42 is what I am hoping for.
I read h=5 m=43
